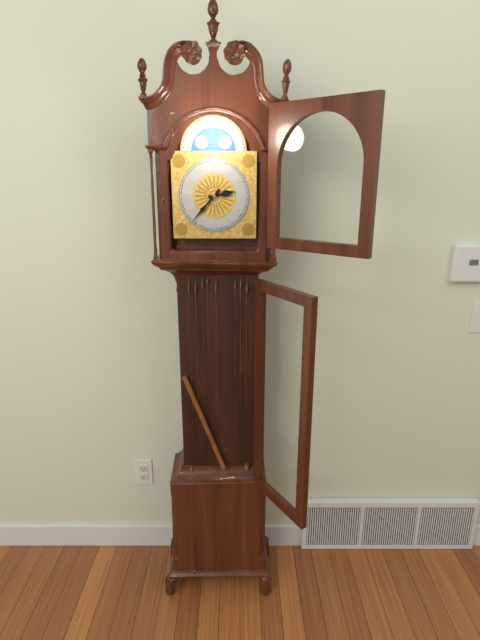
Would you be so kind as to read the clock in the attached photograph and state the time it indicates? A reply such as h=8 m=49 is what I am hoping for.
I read h=2 m=37
